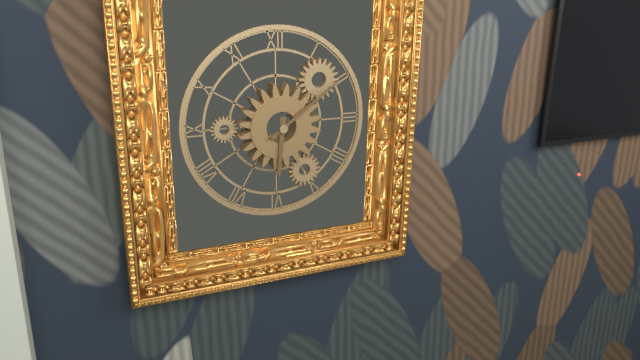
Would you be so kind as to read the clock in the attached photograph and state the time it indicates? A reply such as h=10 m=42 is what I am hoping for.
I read h=6 m=9
